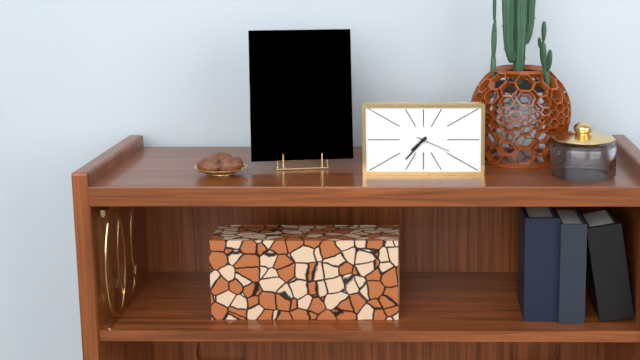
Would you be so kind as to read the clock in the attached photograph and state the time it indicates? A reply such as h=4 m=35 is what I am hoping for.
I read h=7 m=37
